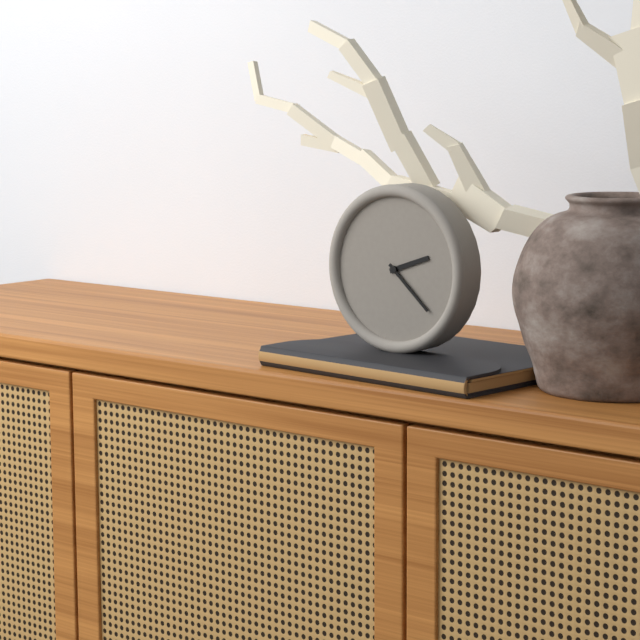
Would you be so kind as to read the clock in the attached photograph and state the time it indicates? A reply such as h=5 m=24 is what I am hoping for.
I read h=2 m=22
